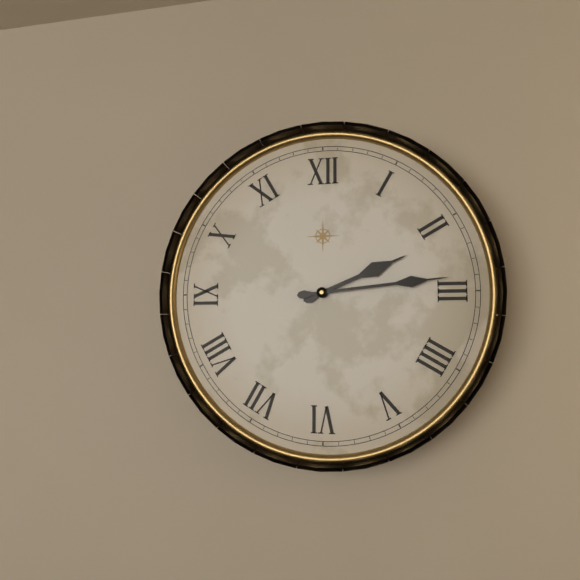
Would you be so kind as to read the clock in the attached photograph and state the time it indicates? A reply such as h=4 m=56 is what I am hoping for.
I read h=2 m=14
